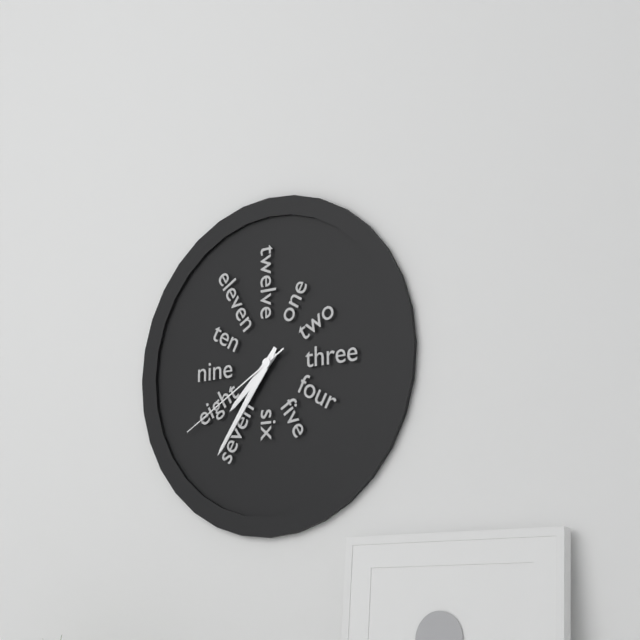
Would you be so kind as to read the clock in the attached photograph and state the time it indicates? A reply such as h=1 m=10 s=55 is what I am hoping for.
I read h=7 m=36 s=40
